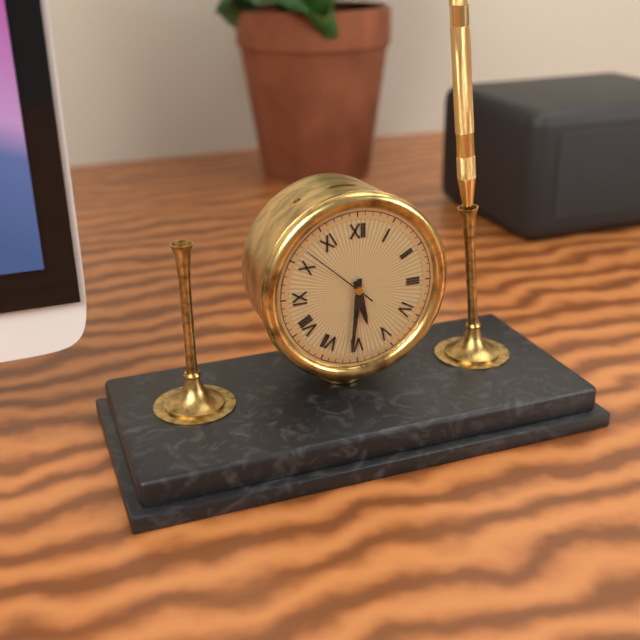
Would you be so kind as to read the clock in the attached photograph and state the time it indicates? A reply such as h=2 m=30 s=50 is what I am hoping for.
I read h=5 m=31 s=52
